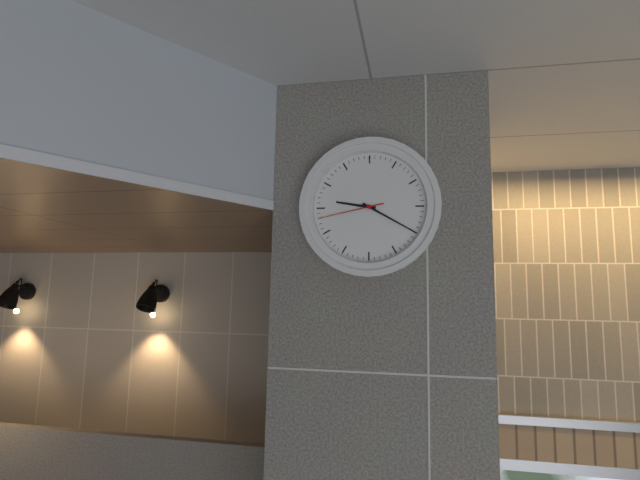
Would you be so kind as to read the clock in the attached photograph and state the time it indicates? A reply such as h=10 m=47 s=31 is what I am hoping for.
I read h=9 m=20 s=43
